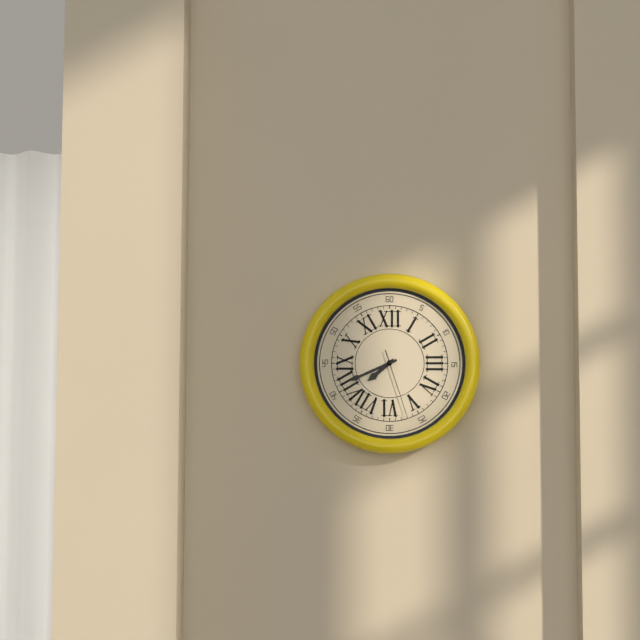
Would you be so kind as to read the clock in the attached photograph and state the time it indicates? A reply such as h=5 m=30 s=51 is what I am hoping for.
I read h=7 m=41 s=27
